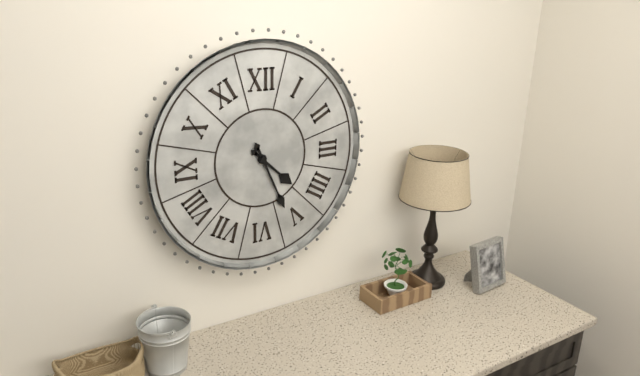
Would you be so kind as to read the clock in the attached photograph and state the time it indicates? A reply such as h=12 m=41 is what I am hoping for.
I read h=4 m=26
